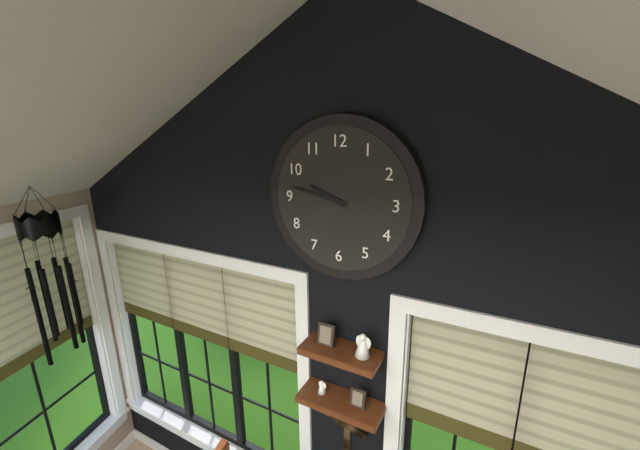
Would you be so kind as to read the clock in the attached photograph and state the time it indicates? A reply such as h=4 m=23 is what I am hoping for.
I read h=9 m=47
